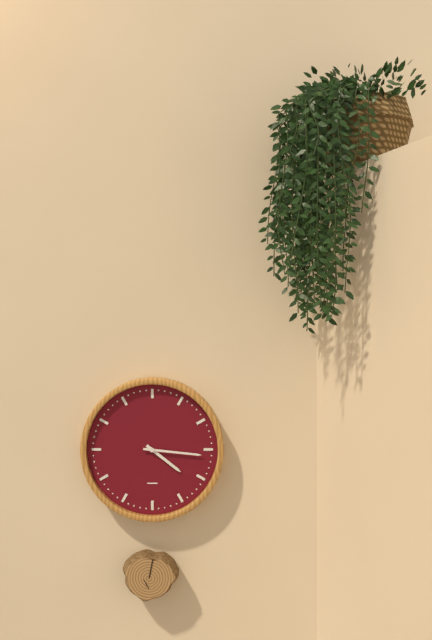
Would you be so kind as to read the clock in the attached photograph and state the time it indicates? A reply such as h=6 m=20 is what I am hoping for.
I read h=4 m=16
